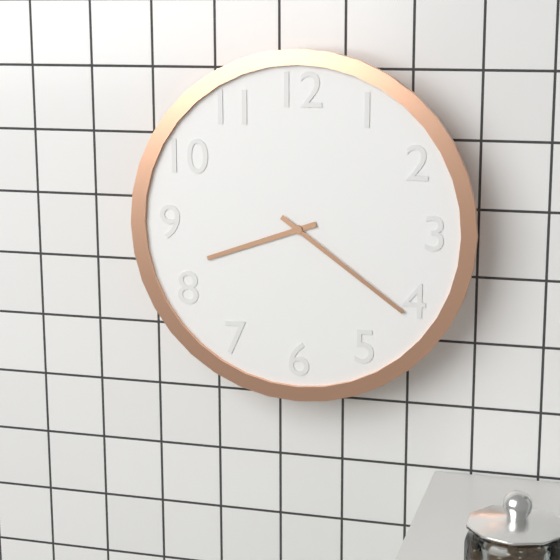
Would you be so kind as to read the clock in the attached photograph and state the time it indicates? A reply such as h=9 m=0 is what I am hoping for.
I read h=8 m=21
